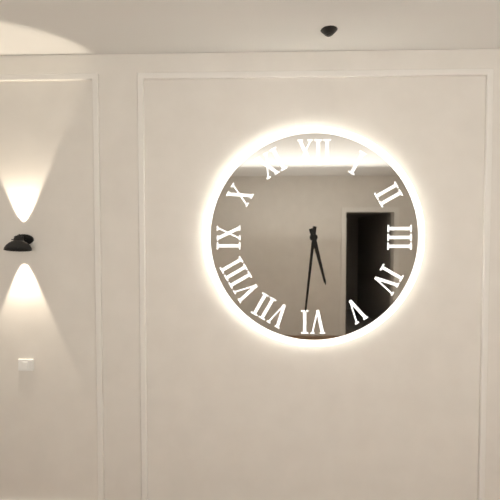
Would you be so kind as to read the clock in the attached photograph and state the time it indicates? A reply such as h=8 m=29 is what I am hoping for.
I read h=5 m=31
